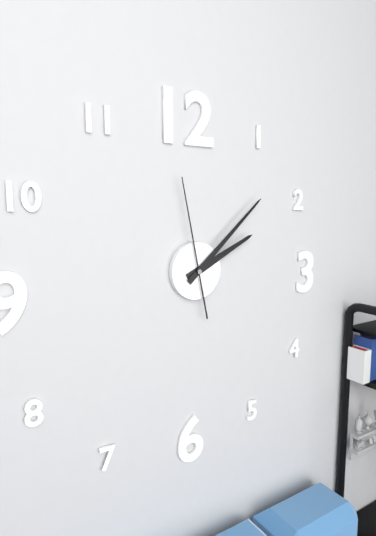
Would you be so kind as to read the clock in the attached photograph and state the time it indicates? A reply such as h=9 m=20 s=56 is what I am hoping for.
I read h=2 m=8 s=58
